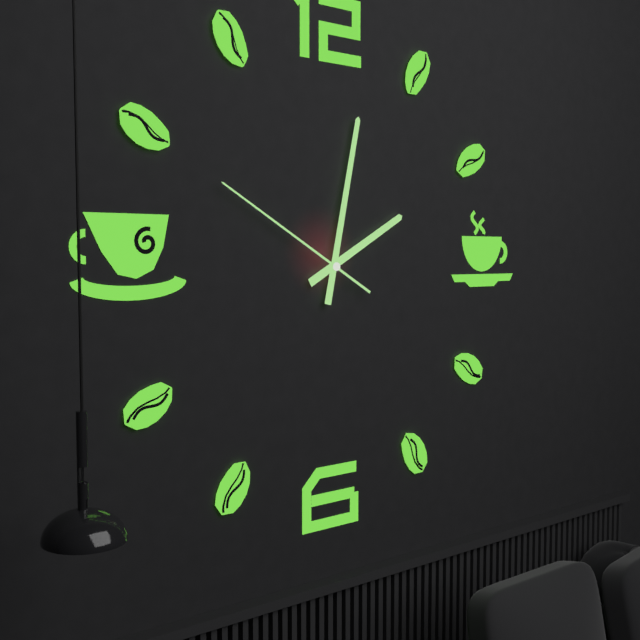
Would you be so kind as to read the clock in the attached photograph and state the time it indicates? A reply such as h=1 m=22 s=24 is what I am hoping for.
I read h=2 m=2 s=50
